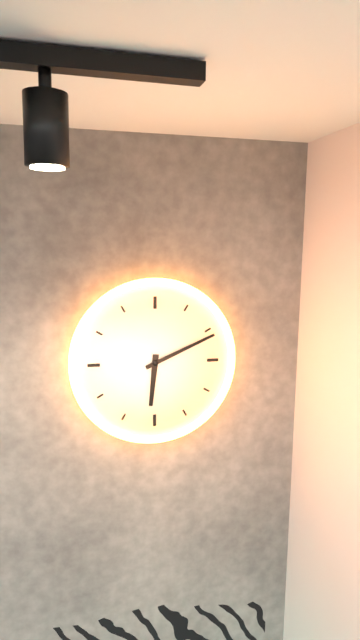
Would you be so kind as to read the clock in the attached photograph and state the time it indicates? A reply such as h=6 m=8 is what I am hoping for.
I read h=6 m=11
